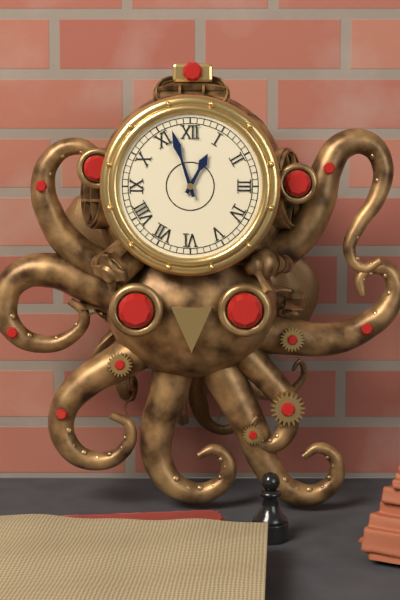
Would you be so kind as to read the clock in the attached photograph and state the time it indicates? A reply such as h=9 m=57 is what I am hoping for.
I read h=12 m=57
